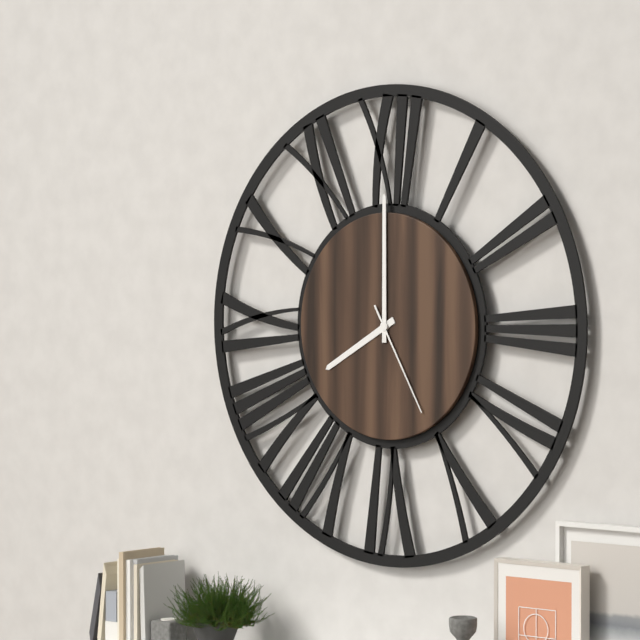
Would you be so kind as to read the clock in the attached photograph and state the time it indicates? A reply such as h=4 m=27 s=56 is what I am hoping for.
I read h=8 m=0 s=25
